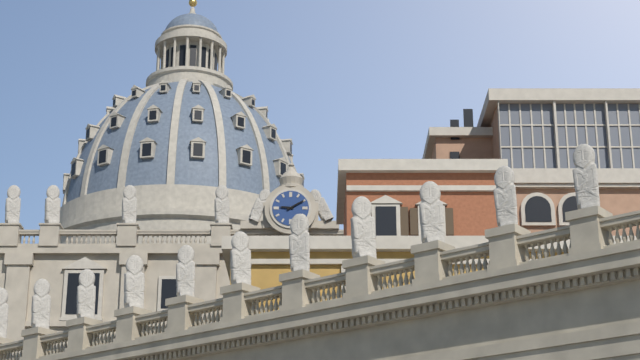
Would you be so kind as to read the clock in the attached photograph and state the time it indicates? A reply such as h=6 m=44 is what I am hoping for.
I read h=9 m=10
